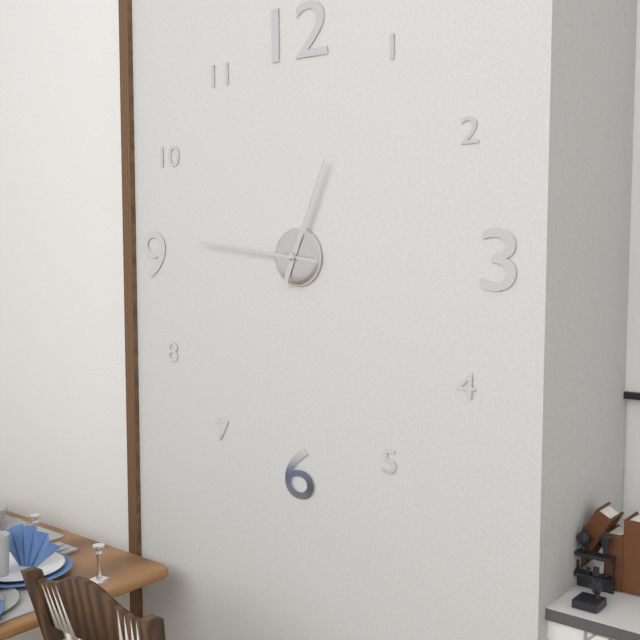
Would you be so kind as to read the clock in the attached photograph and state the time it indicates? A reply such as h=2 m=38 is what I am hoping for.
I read h=12 m=46
